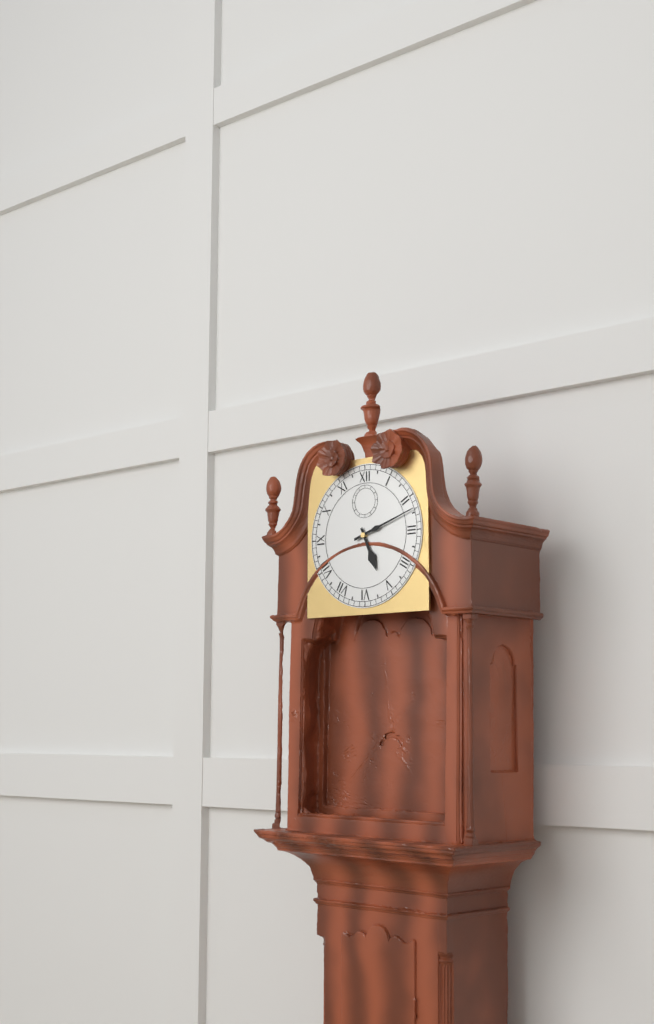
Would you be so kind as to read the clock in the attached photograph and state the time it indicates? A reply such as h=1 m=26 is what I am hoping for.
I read h=5 m=12
